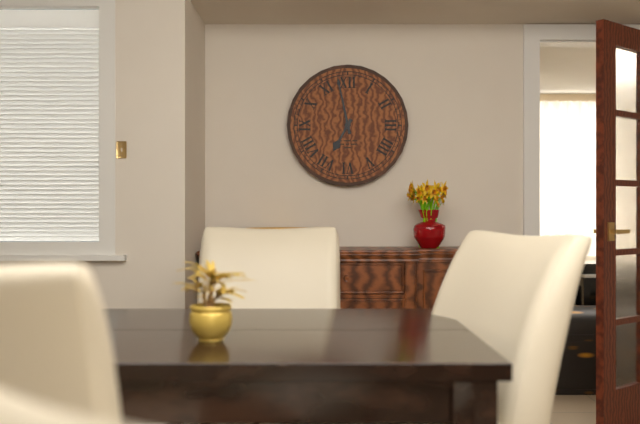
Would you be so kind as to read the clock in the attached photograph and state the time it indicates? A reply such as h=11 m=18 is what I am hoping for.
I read h=6 m=58
